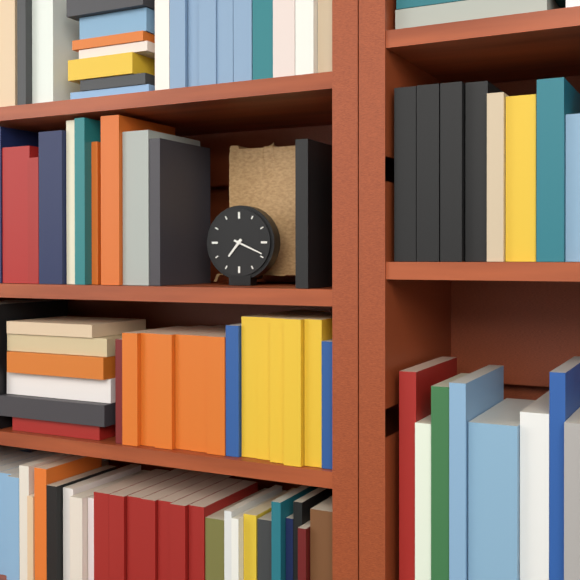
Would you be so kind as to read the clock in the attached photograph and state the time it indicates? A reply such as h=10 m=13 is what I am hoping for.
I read h=7 m=19
